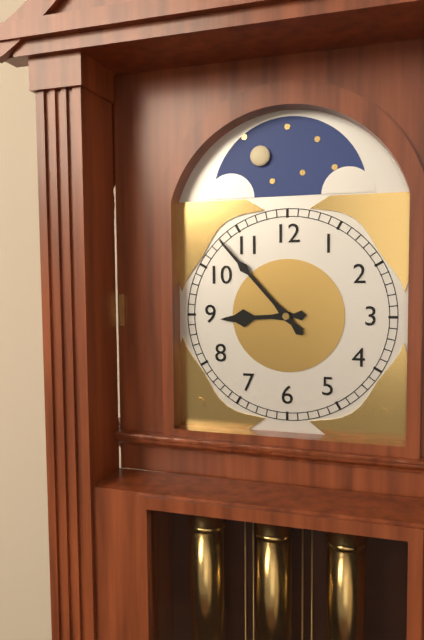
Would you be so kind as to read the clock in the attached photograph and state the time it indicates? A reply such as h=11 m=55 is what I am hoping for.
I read h=8 m=53
